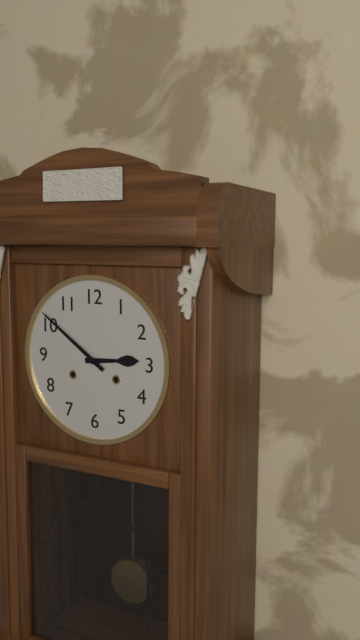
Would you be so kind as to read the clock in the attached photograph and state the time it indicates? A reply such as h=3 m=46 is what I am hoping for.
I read h=2 m=51
